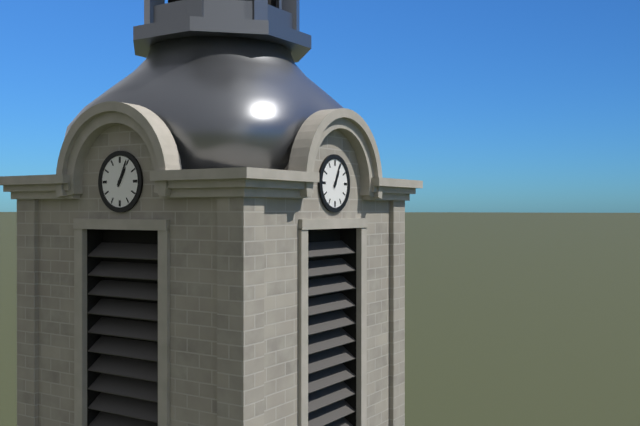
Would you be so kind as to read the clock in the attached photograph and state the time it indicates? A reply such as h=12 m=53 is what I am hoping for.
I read h=1 m=4
